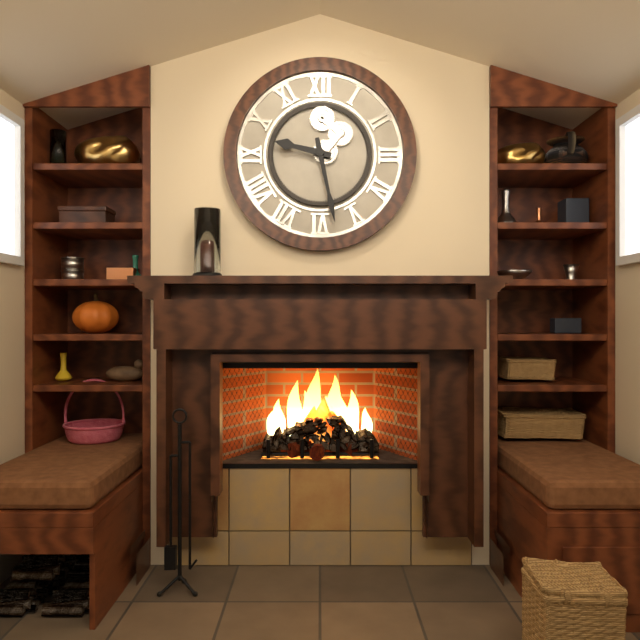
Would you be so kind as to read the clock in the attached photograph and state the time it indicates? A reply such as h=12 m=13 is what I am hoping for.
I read h=9 m=28
